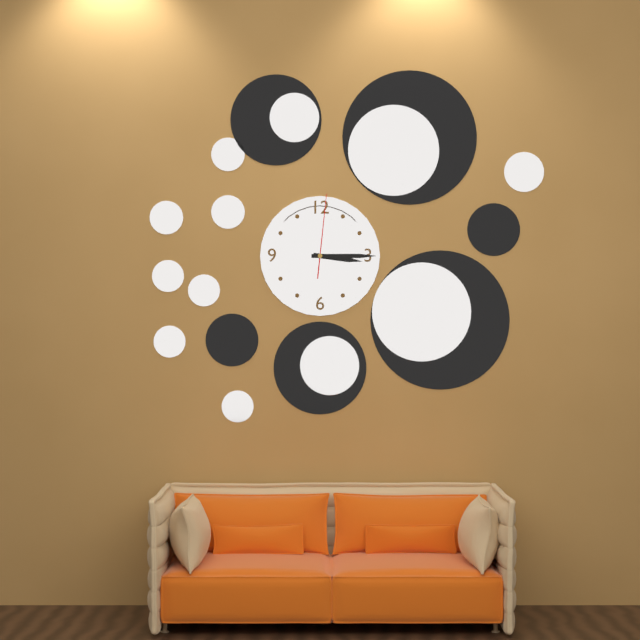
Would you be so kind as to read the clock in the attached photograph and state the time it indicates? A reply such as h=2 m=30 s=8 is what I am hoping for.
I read h=3 m=15 s=1
